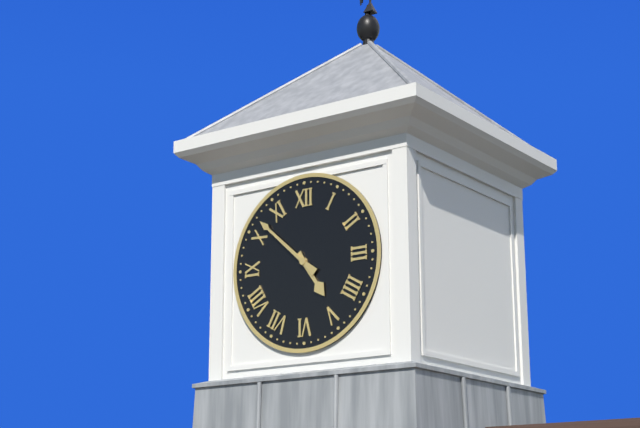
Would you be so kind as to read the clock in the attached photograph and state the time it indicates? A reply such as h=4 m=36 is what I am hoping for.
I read h=4 m=52
